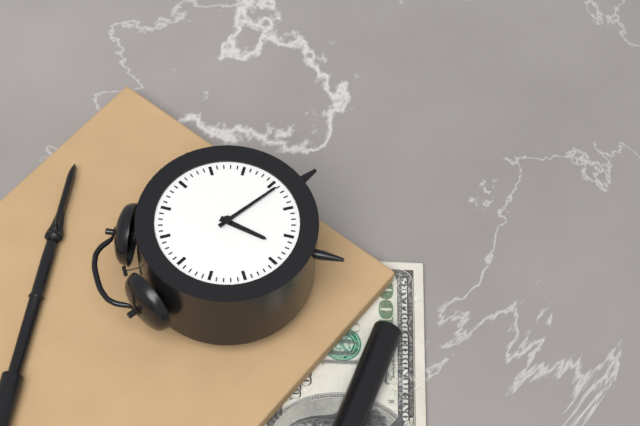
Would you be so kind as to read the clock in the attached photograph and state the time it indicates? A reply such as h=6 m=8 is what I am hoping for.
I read h=7 m=26
